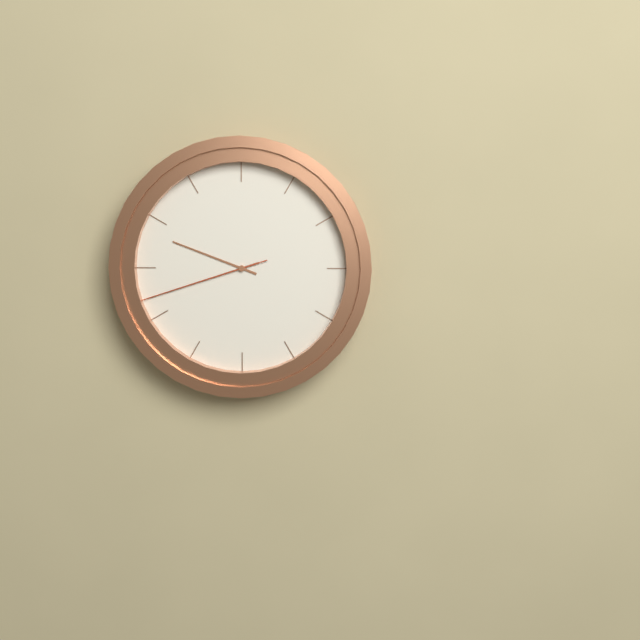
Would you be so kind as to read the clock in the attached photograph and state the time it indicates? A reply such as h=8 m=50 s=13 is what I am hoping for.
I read h=9 m=42 s=42
